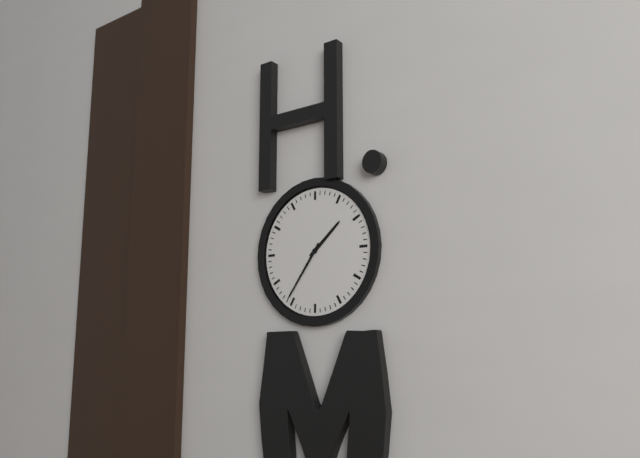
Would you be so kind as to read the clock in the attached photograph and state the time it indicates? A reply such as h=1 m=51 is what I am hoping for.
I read h=1 m=36
